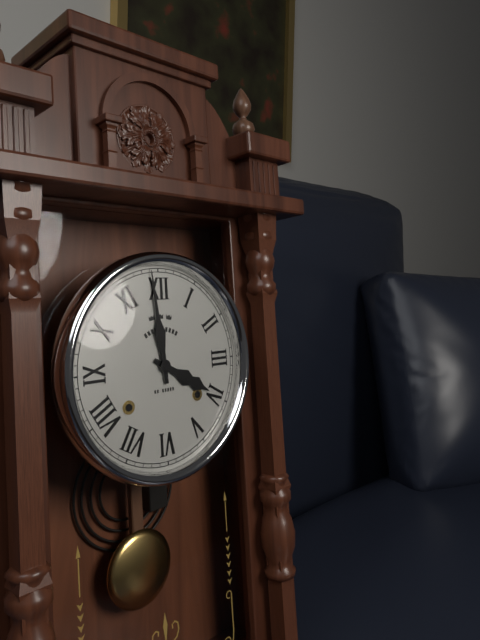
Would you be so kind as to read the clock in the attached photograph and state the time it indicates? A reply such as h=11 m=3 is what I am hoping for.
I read h=3 m=59
